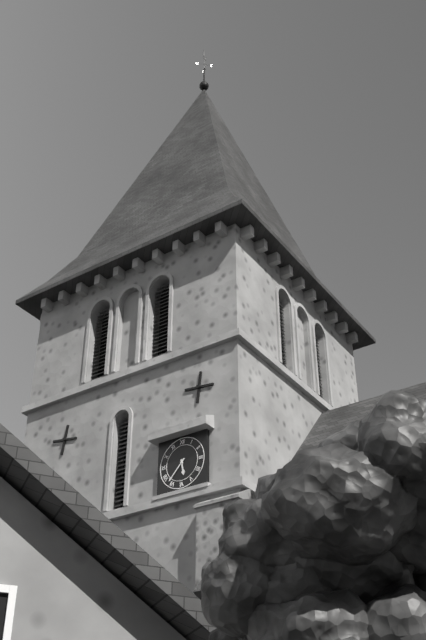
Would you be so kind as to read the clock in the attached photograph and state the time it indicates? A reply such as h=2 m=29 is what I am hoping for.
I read h=5 m=37
